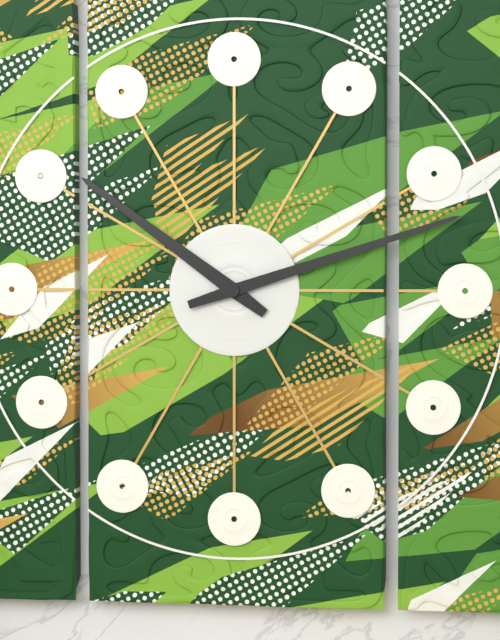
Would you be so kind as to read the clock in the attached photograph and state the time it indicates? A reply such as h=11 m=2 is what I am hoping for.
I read h=10 m=12
